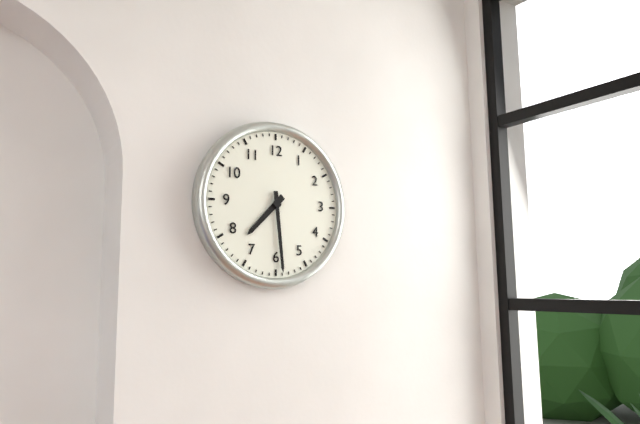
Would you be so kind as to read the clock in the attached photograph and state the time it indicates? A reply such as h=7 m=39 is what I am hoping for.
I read h=7 m=29
